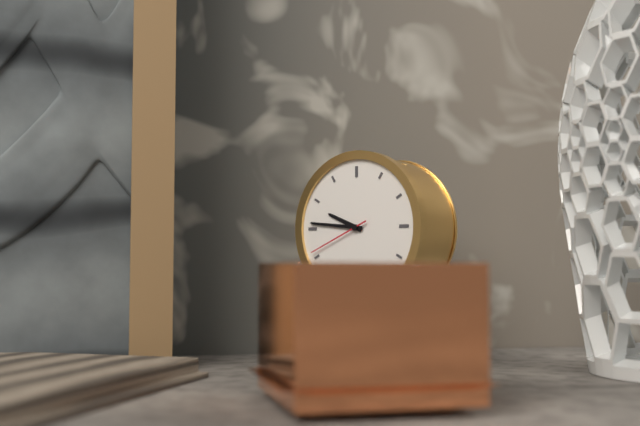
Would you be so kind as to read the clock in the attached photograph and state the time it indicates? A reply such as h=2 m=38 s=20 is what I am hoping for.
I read h=9 m=46 s=41
